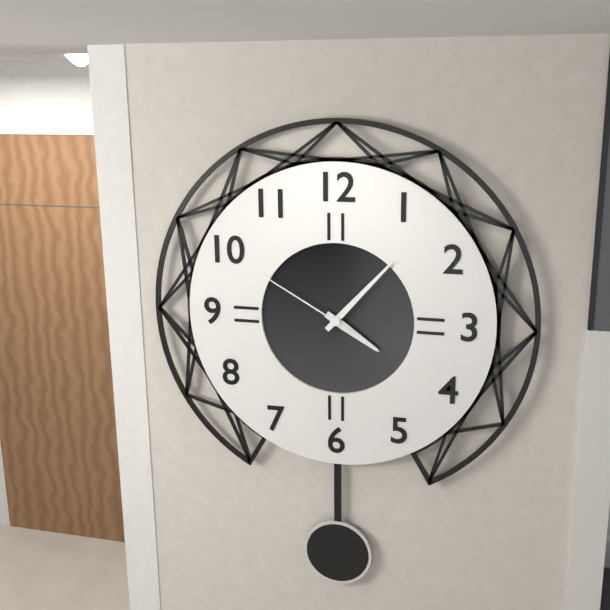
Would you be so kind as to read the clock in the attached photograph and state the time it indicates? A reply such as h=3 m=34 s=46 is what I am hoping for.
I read h=4 m=7 s=50
